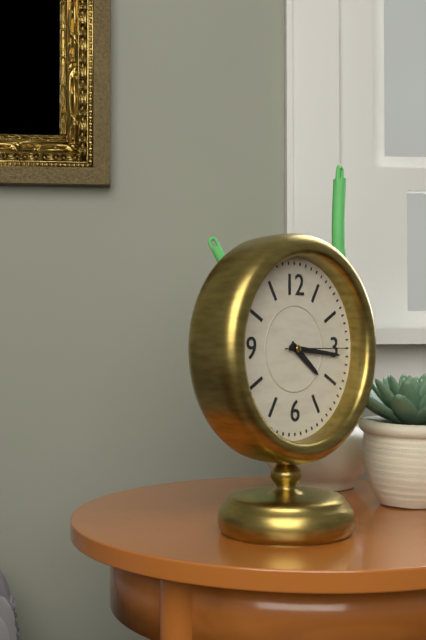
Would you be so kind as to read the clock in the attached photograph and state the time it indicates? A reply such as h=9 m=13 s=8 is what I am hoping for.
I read h=4 m=16 s=15
